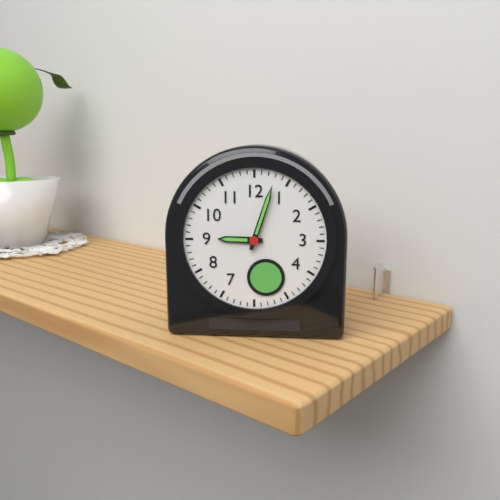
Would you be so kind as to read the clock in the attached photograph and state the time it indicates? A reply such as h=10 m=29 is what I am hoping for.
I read h=9 m=3
